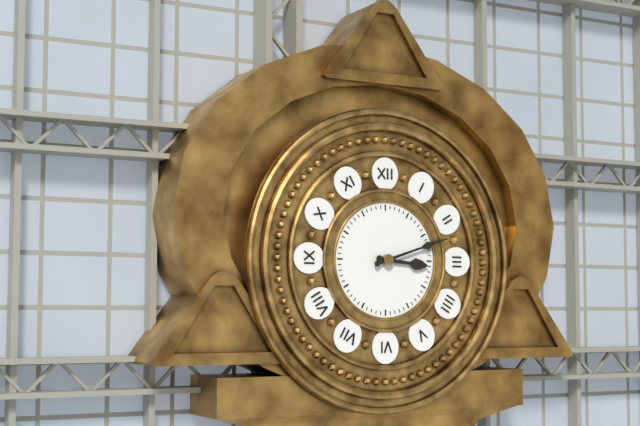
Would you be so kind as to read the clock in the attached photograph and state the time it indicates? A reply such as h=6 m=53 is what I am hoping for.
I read h=3 m=12
